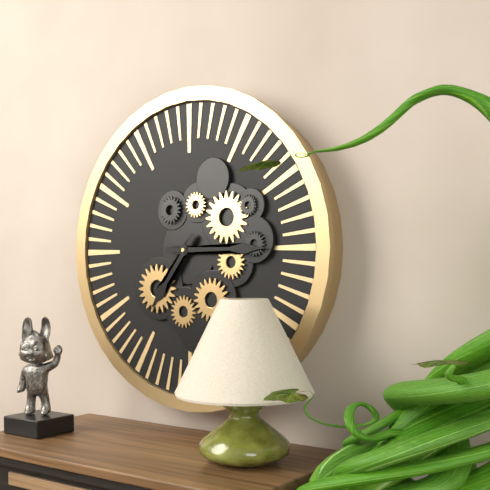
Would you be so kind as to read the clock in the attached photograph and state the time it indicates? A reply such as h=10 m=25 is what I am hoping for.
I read h=7 m=15
